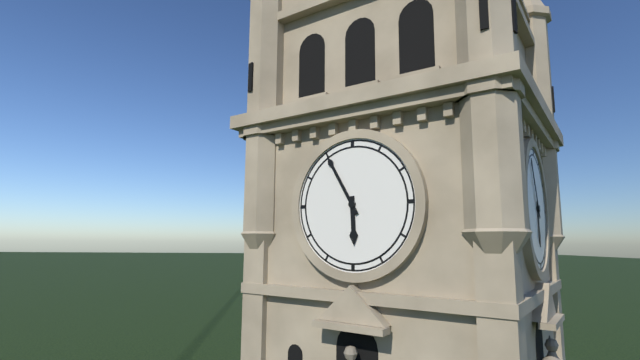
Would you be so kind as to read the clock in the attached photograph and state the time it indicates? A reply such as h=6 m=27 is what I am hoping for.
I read h=5 m=55
